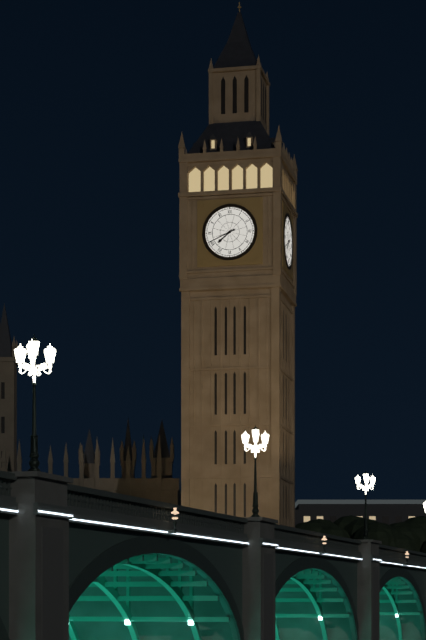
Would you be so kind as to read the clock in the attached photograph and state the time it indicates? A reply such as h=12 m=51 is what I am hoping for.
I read h=7 m=41
